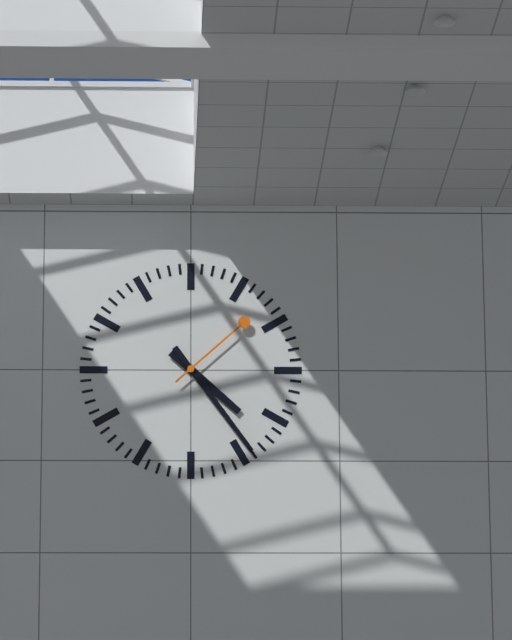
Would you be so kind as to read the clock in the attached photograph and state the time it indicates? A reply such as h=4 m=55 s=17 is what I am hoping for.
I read h=4 m=24 s=8
